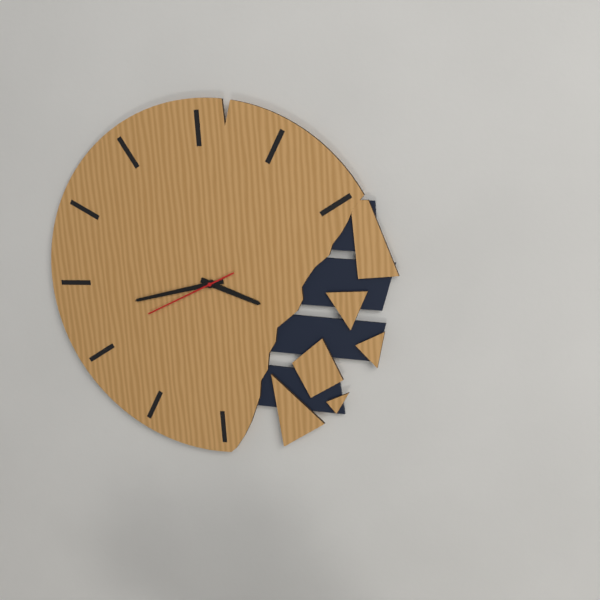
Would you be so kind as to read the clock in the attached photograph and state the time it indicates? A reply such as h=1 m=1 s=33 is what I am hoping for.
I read h=3 m=43 s=41
